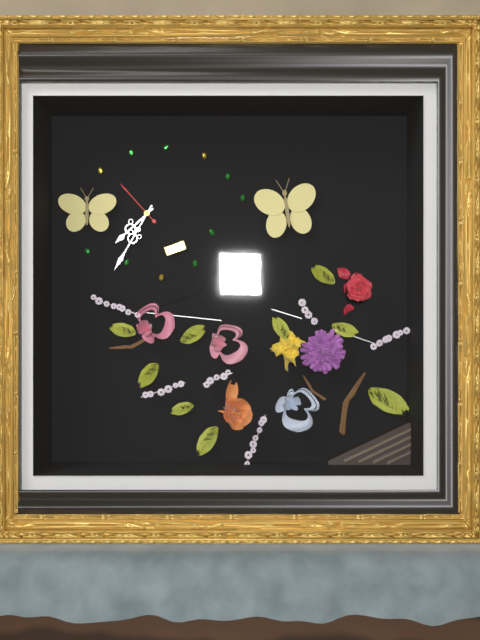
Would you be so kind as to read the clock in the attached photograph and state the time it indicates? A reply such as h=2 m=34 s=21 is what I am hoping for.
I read h=7 m=35 s=53
